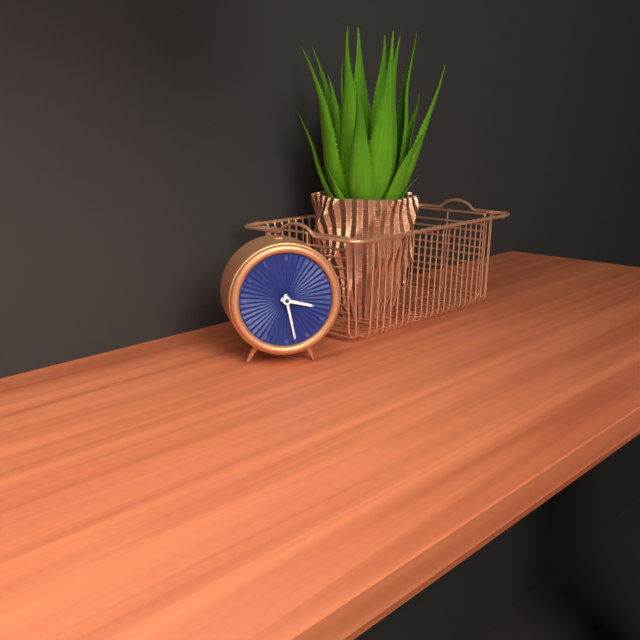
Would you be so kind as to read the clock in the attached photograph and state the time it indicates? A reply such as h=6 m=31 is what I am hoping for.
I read h=3 m=28
